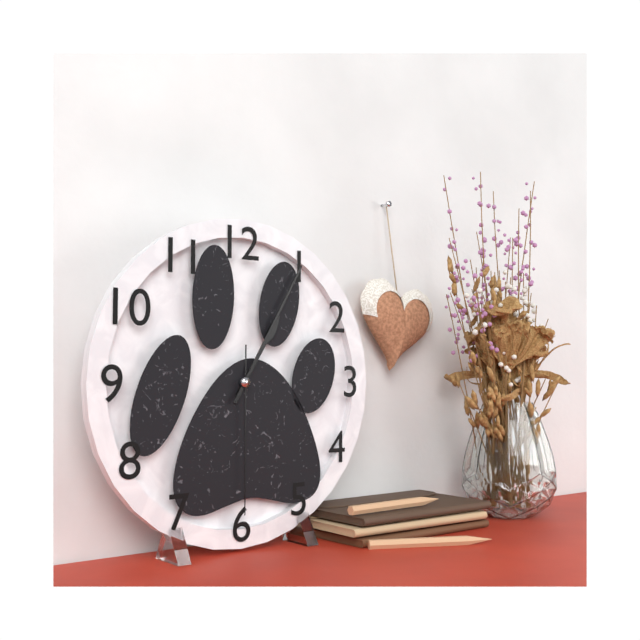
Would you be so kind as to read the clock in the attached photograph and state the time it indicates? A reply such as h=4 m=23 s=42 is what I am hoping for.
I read h=1 m=5 s=30
